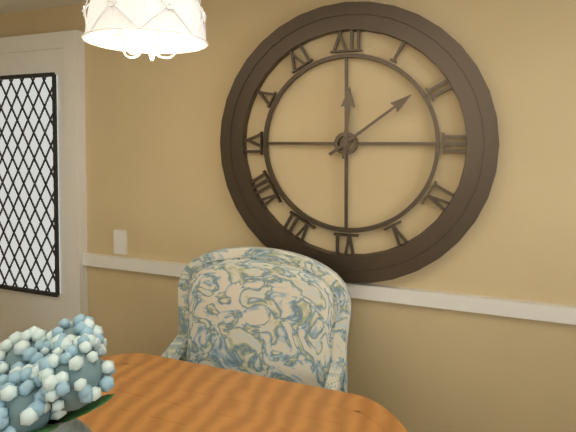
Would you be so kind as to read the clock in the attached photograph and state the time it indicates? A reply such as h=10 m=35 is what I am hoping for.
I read h=12 m=9
